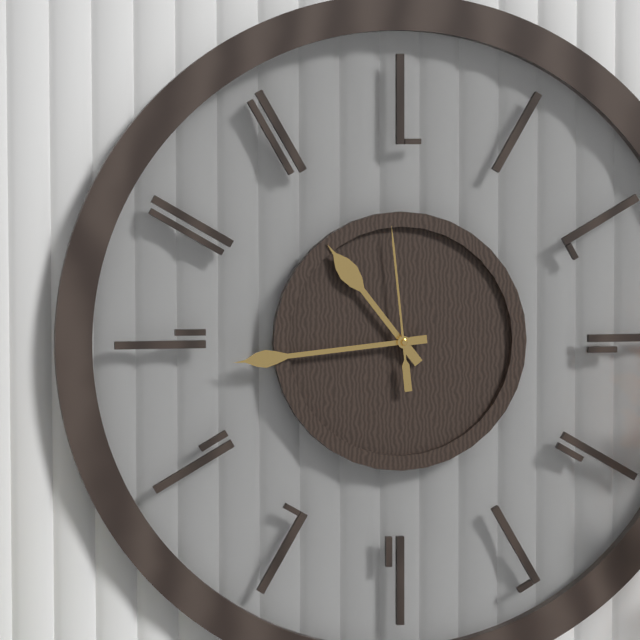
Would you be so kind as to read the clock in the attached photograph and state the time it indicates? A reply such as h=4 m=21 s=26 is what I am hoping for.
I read h=10 m=44 s=59
